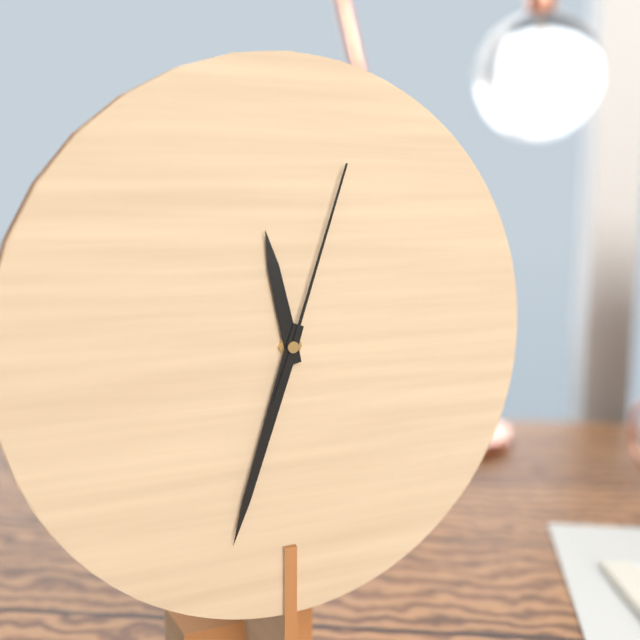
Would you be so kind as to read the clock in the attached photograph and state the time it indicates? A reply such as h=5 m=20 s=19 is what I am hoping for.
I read h=11 m=33 s=3
